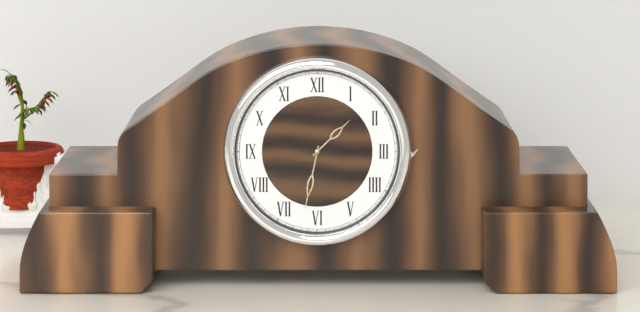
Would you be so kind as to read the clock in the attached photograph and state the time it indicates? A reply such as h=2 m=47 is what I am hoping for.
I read h=1 m=32
